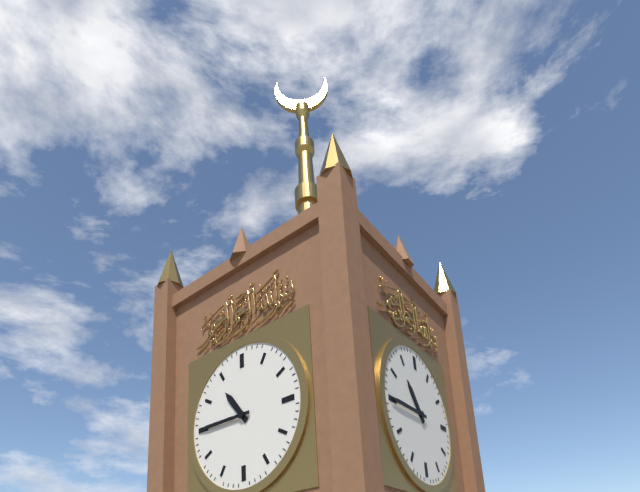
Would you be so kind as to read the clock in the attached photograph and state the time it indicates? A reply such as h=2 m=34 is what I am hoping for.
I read h=10 m=45
